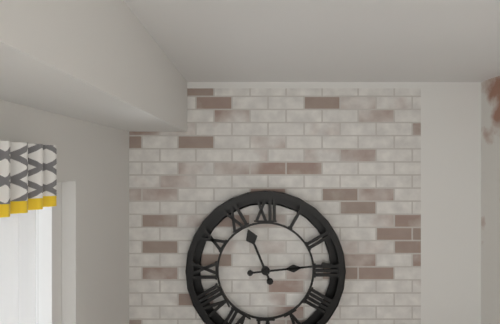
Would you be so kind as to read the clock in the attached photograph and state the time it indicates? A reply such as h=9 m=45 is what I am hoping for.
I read h=11 m=14
